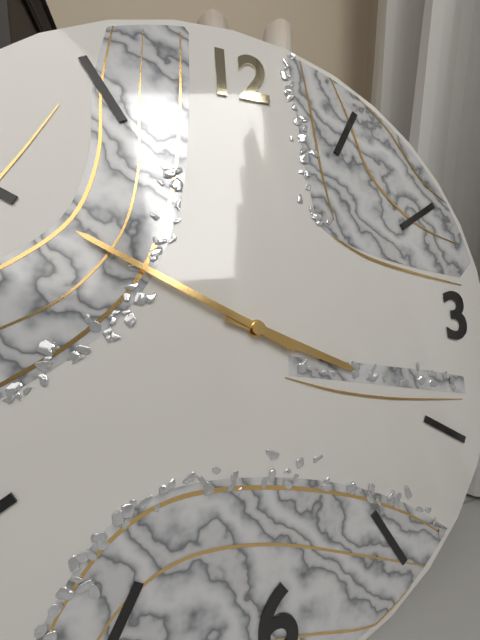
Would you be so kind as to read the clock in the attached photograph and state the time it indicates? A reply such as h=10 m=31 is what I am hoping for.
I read h=3 m=50
